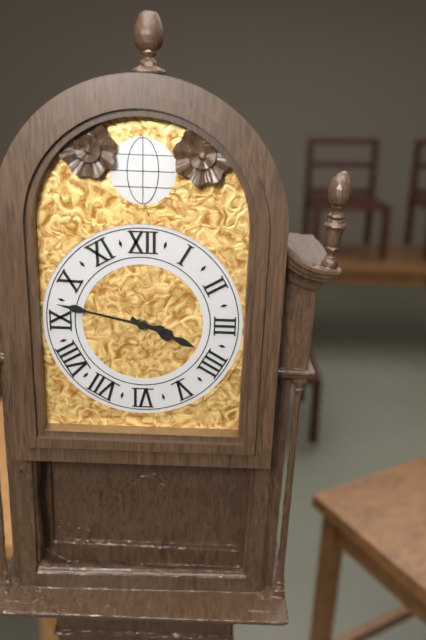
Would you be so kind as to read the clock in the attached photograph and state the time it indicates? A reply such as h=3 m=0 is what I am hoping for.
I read h=3 m=47
